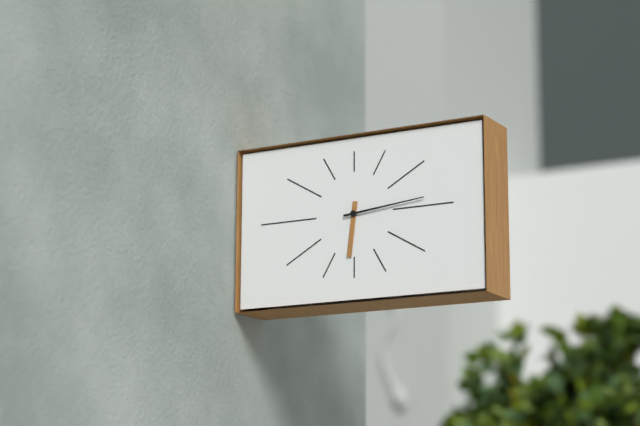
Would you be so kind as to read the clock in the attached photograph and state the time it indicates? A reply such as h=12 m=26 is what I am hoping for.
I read h=6 m=14
